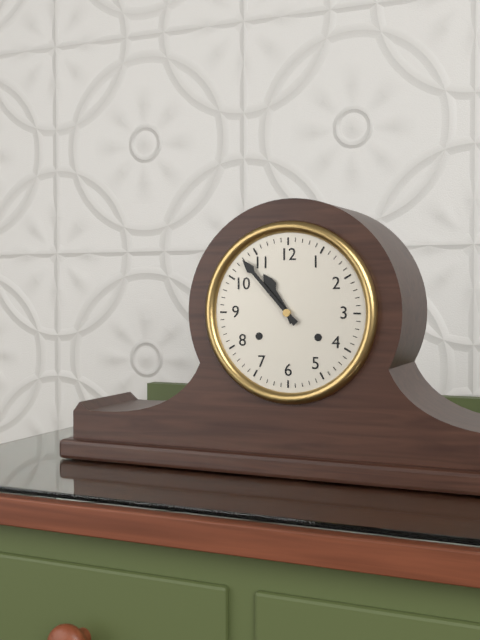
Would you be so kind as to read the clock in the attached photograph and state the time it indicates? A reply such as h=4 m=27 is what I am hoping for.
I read h=10 m=53
